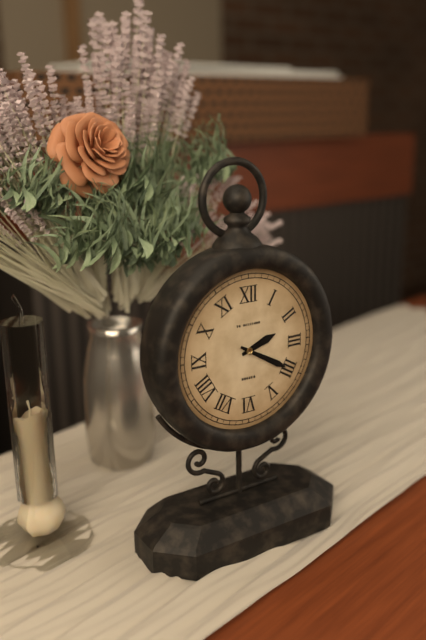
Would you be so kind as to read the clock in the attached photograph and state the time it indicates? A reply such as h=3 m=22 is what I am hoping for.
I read h=2 m=20
